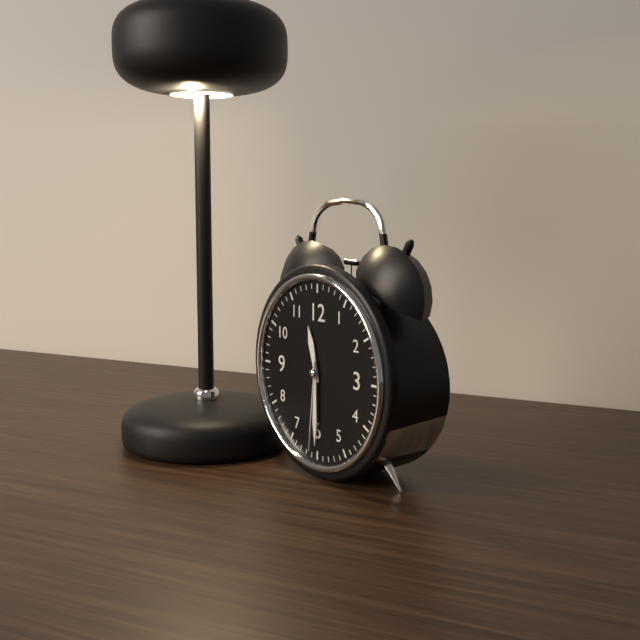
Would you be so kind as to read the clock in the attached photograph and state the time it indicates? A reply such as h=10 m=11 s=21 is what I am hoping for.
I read h=11 m=30 s=31
